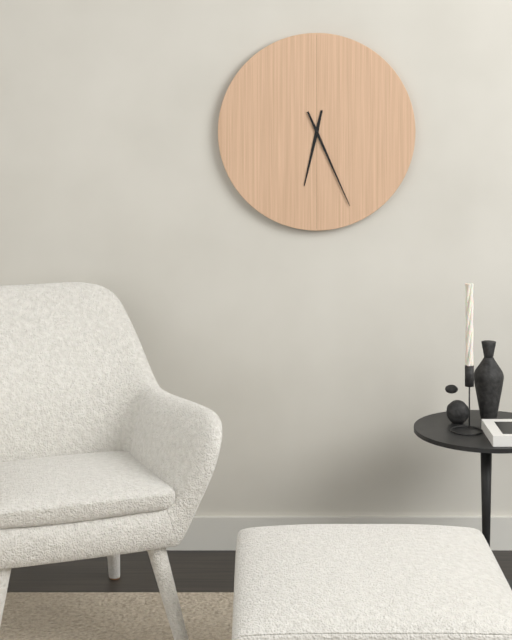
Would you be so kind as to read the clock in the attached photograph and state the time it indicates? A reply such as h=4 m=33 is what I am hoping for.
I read h=6 m=26
